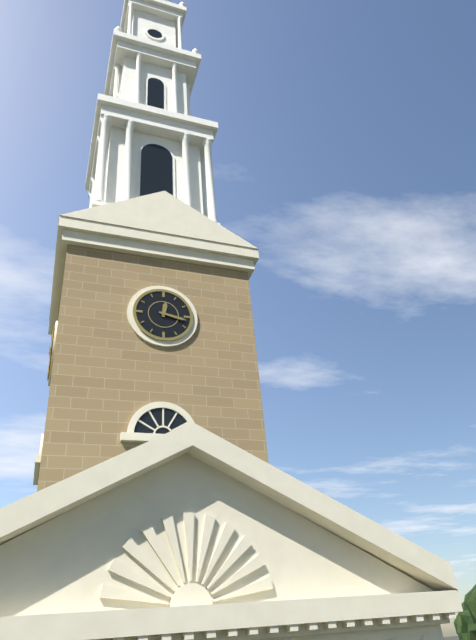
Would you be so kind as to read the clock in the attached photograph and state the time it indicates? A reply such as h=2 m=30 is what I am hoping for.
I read h=12 m=17
